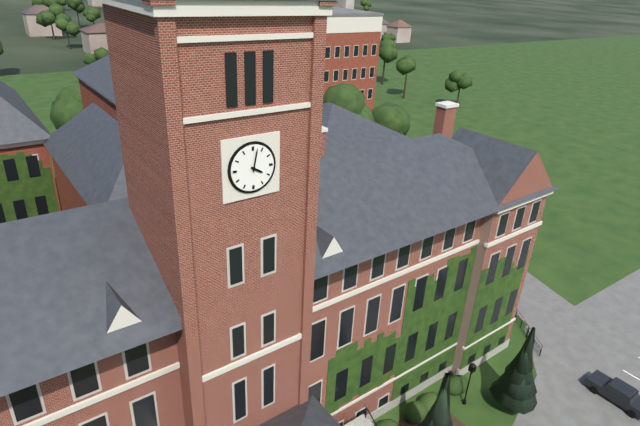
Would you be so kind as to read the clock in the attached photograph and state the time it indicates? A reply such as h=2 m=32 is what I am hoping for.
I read h=4 m=2
